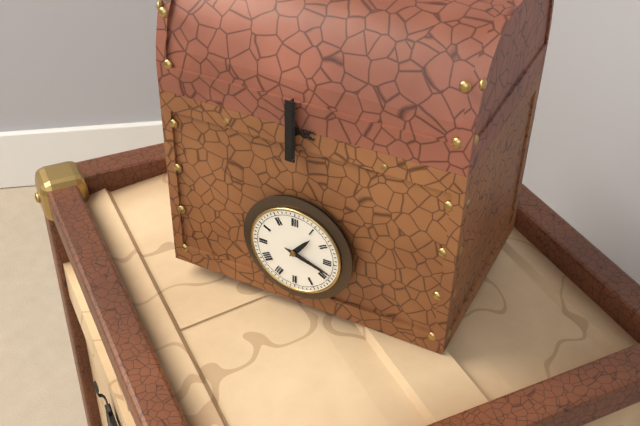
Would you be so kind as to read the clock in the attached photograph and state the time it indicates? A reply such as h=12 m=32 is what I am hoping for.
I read h=1 m=18
